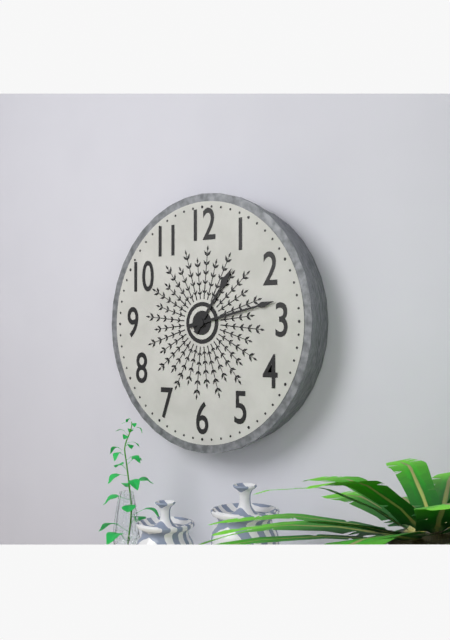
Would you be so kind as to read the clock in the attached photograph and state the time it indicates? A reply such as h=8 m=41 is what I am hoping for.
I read h=1 m=13
